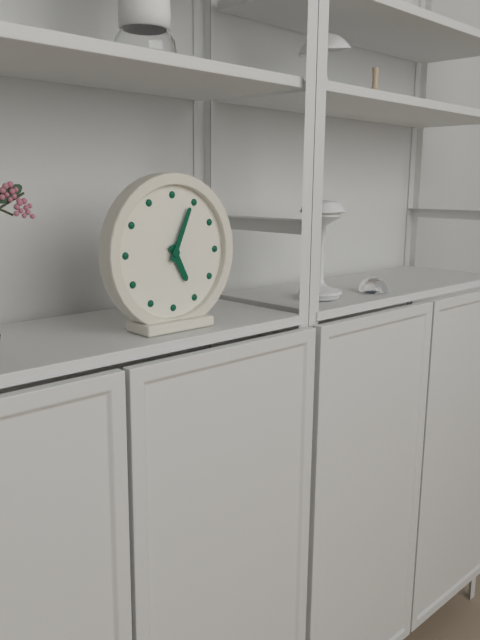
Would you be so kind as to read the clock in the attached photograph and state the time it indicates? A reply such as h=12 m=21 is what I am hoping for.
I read h=5 m=4
